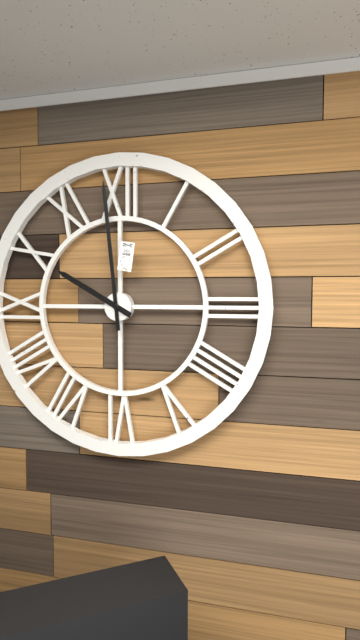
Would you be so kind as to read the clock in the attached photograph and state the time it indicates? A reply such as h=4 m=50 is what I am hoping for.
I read h=9 m=59
